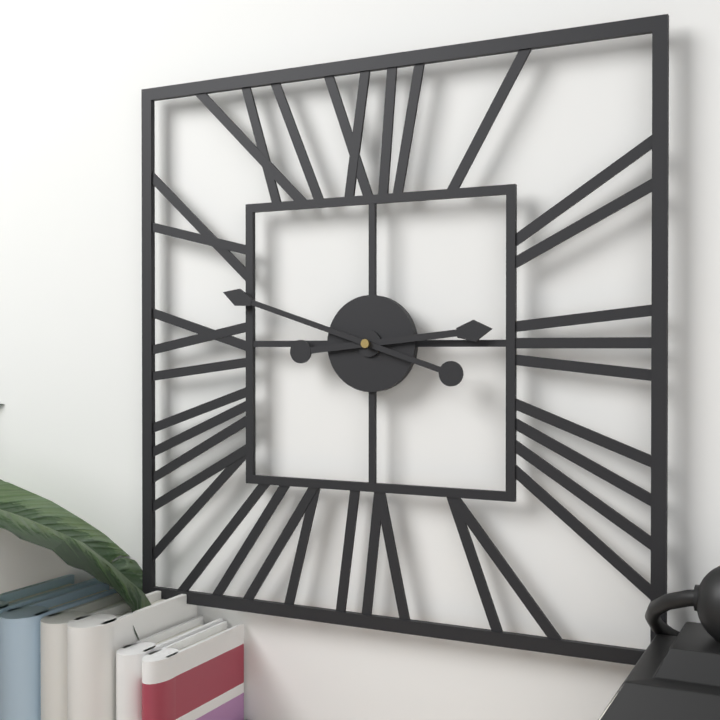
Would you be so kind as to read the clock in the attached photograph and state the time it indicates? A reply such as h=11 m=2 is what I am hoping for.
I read h=2 m=48
